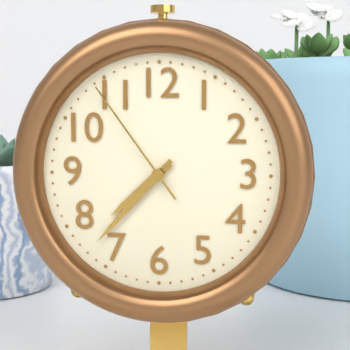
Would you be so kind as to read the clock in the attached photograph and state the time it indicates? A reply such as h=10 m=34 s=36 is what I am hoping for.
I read h=7 m=37 s=54
